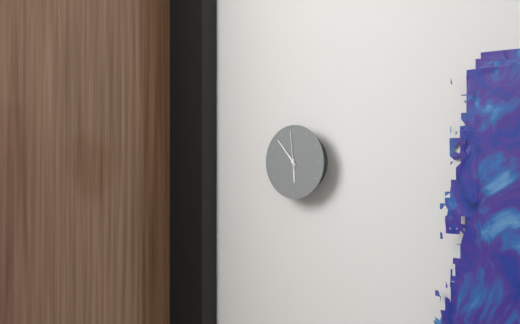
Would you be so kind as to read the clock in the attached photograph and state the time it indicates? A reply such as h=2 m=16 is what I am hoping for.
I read h=5 m=53
